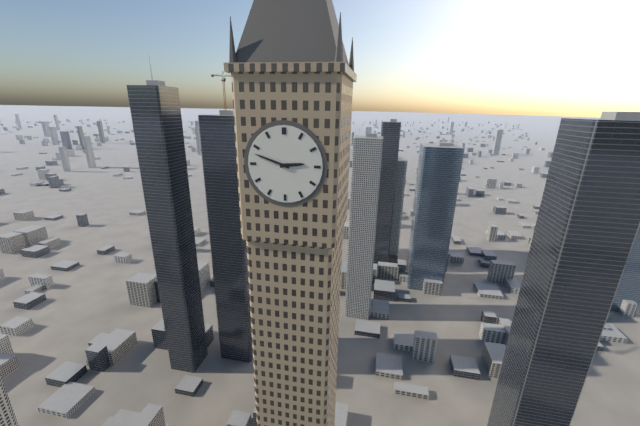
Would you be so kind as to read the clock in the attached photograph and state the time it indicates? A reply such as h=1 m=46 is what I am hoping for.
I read h=2 m=48
